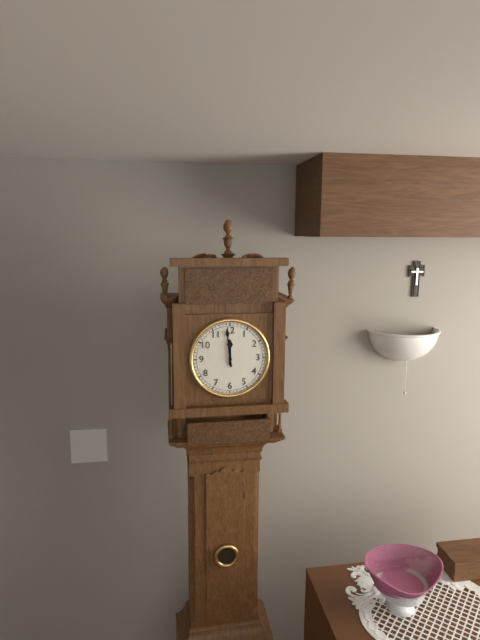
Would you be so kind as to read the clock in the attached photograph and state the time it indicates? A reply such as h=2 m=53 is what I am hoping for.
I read h=11 m=59
